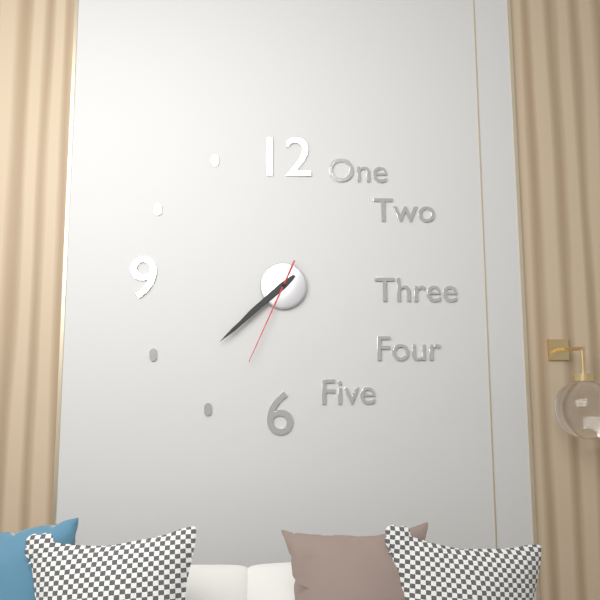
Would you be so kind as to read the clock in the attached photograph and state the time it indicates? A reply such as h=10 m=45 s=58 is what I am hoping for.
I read h=7 m=38 s=34
